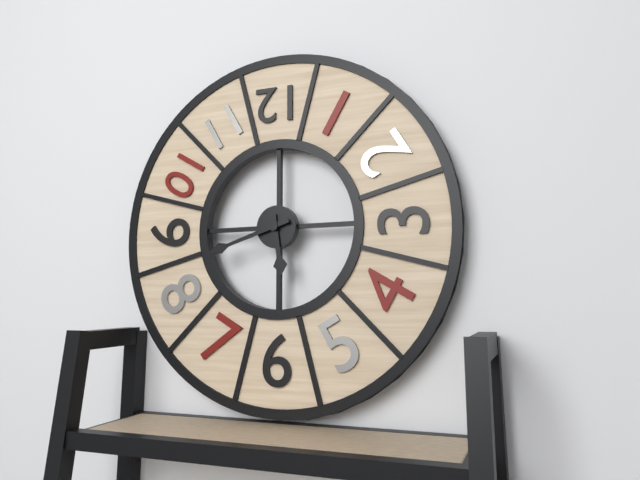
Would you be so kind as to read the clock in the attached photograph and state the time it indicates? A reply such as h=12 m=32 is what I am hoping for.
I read h=5 m=42
